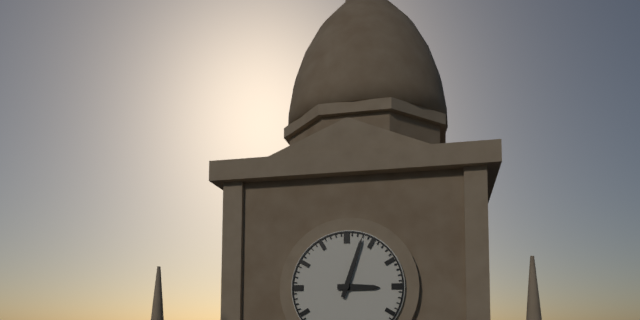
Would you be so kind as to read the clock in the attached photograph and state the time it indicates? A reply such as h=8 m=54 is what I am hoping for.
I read h=3 m=3
